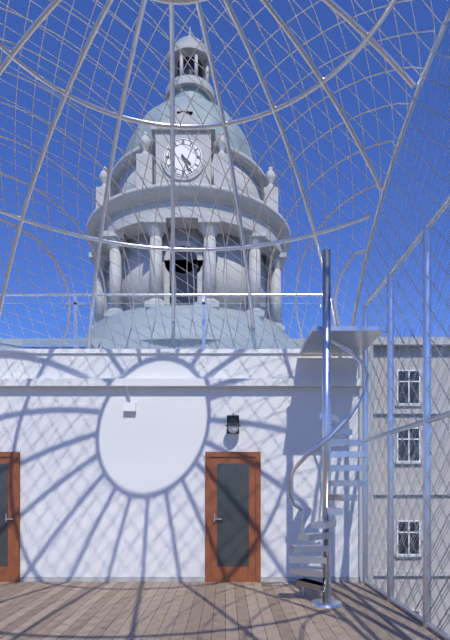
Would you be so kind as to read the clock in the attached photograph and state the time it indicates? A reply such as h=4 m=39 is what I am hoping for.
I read h=4 m=26
